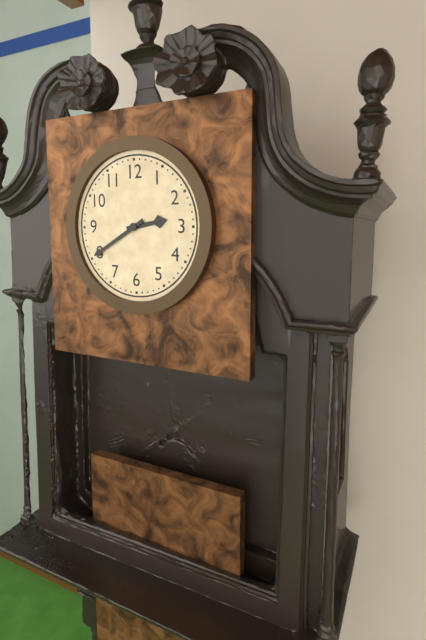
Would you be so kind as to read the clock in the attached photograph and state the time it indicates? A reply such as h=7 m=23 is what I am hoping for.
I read h=2 m=40
